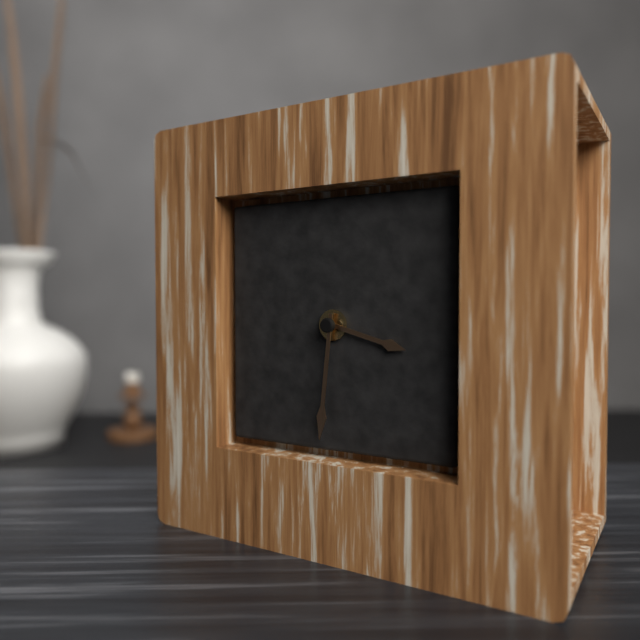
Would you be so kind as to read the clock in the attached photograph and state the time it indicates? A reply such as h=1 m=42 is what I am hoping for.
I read h=3 m=31
